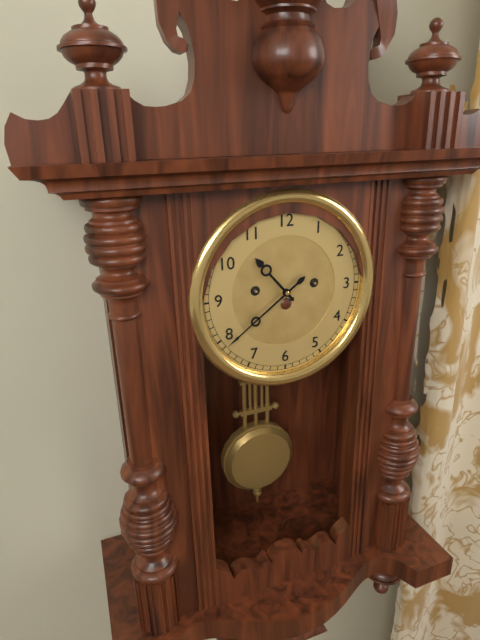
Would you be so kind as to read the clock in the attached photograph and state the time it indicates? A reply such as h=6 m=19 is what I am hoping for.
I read h=10 m=39
